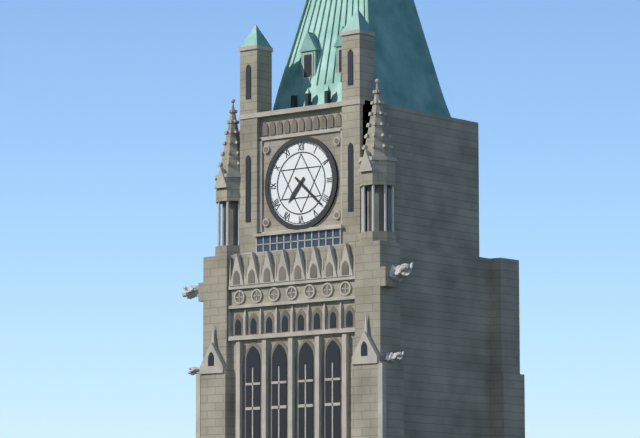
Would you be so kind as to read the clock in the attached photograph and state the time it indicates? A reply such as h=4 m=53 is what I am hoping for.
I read h=7 m=22
